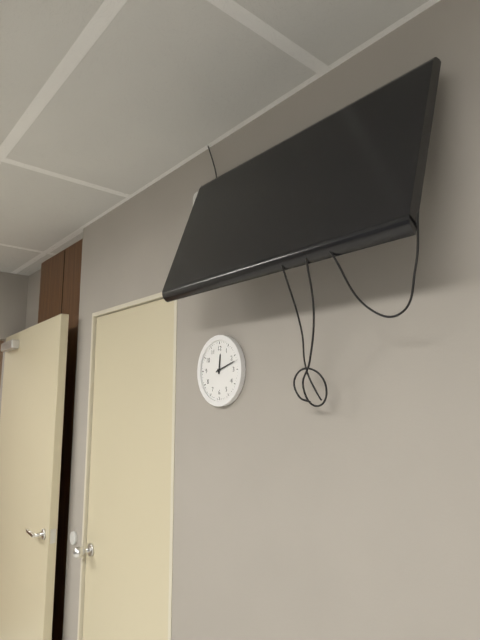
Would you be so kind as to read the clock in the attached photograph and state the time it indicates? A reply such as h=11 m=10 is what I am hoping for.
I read h=12 m=12
